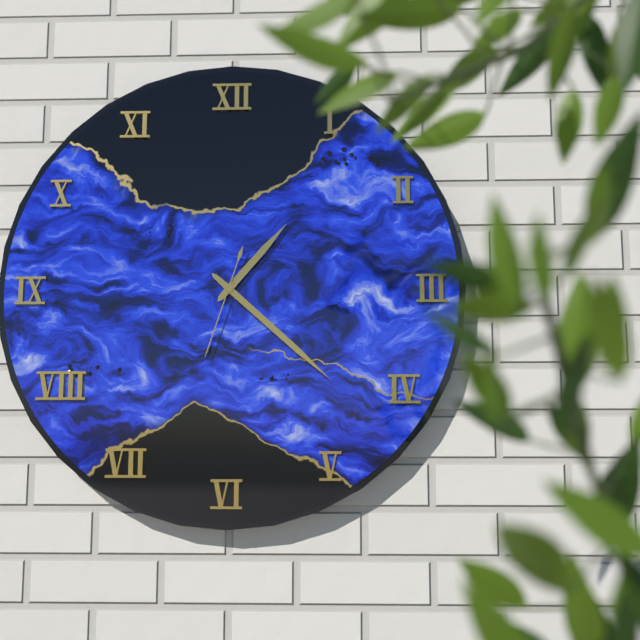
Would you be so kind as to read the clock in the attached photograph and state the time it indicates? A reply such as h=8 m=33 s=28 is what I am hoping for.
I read h=1 m=22 s=33
